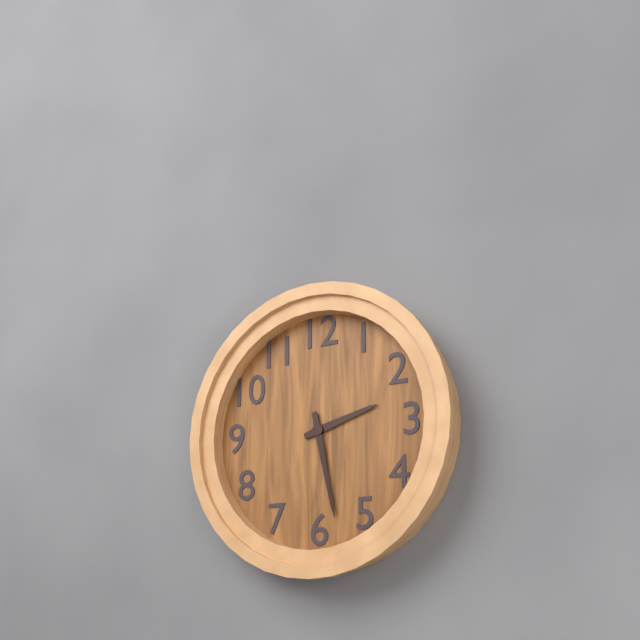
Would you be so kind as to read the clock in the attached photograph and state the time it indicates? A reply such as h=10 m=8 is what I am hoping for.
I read h=2 m=28
